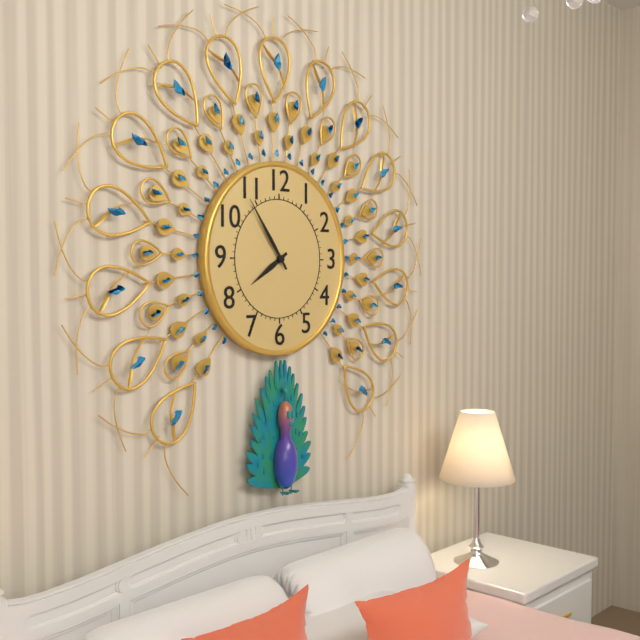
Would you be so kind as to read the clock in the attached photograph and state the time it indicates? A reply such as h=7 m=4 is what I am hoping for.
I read h=7 m=54
